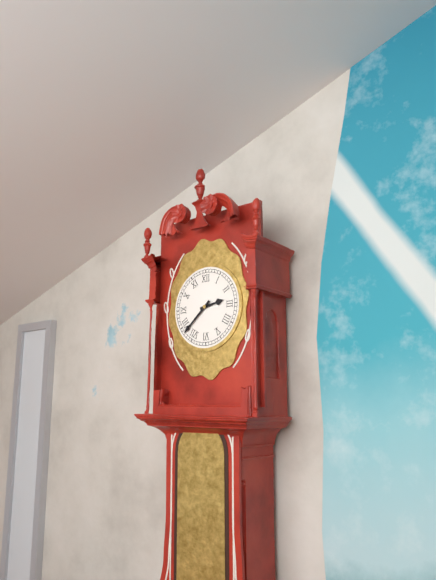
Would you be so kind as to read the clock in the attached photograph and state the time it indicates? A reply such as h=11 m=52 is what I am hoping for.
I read h=2 m=38
